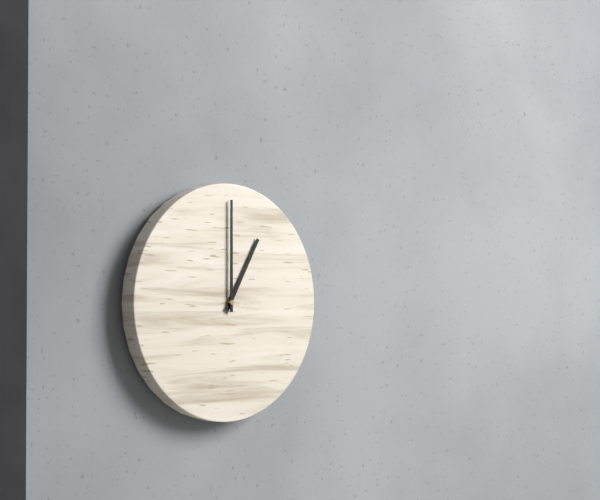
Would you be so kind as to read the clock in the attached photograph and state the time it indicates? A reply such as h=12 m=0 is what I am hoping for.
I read h=1 m=0
